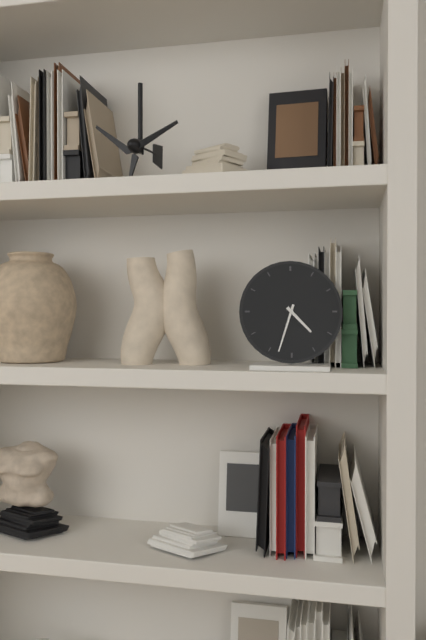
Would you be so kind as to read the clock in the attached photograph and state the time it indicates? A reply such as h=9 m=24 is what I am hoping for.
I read h=4 m=33
